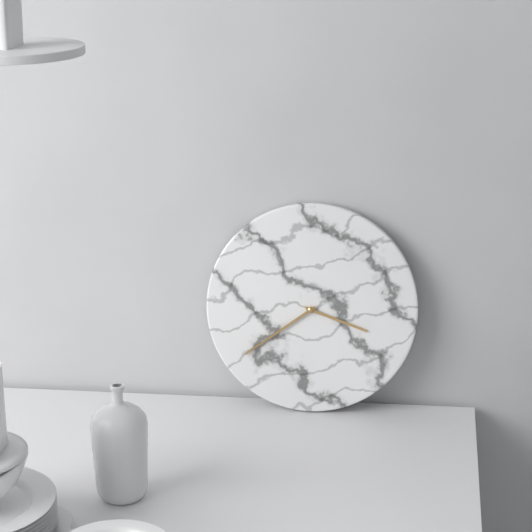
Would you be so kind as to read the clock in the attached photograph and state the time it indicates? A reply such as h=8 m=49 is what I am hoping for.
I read h=3 m=39
